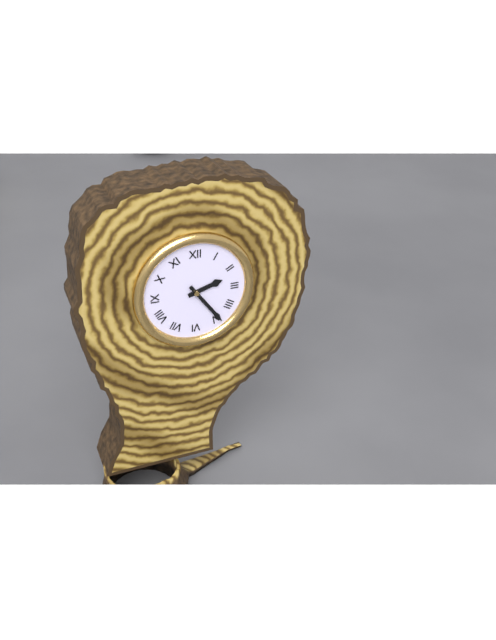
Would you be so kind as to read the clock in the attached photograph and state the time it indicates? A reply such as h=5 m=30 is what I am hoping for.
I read h=2 m=24
